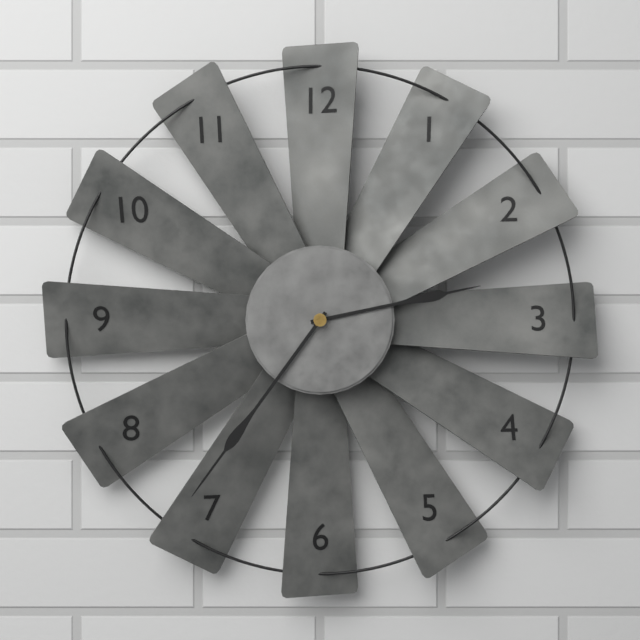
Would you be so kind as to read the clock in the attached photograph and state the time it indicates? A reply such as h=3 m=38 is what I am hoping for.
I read h=2 m=36
